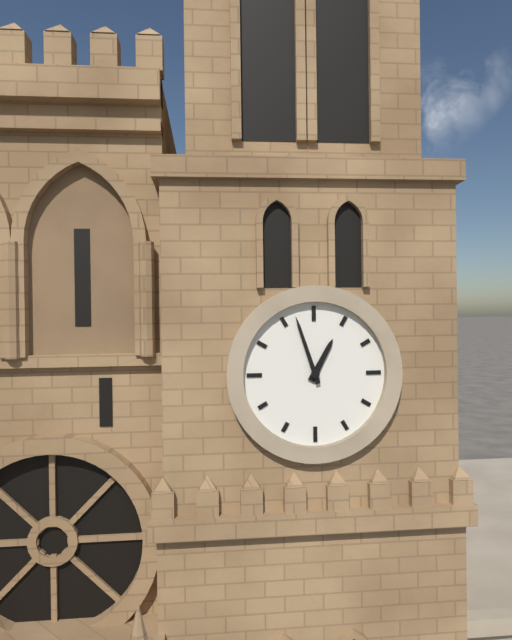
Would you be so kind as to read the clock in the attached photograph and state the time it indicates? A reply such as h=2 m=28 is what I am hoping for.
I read h=12 m=57
